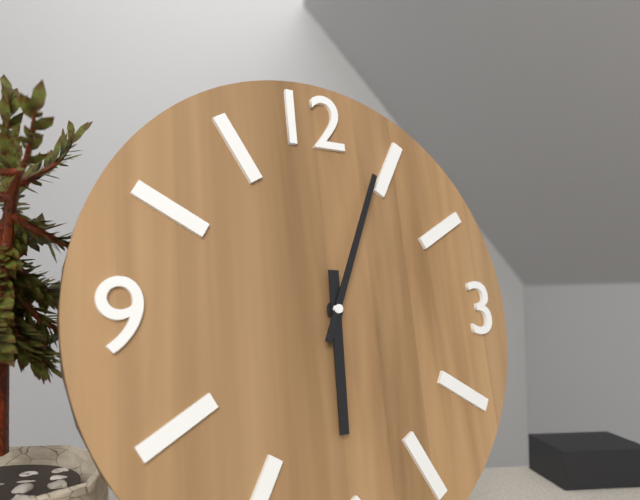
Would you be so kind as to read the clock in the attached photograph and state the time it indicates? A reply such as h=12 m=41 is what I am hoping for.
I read h=6 m=4
